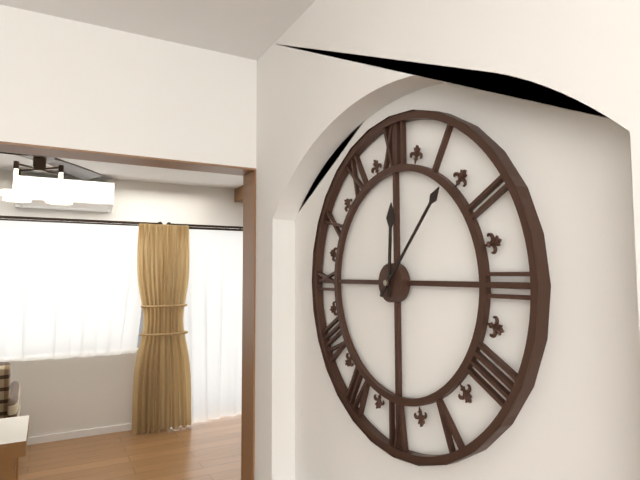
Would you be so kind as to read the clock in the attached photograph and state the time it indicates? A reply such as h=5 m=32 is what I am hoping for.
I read h=12 m=7
